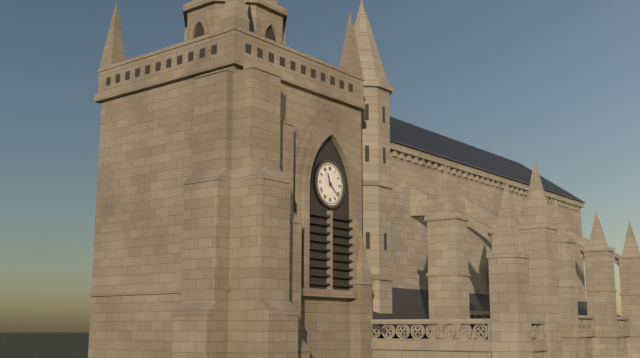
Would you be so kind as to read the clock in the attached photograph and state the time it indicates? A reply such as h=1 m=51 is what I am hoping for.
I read h=11 m=22
